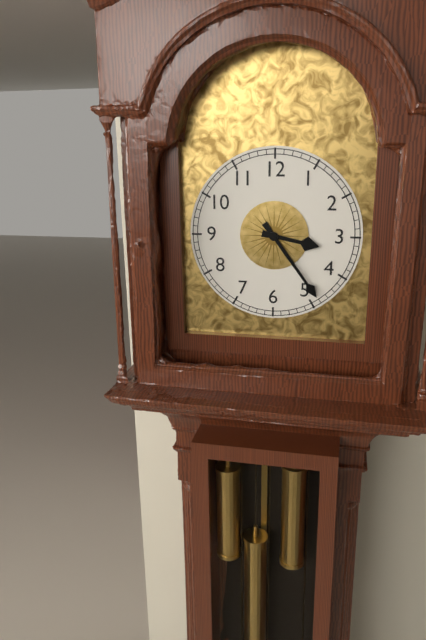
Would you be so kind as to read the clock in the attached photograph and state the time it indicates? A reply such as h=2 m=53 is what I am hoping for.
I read h=3 m=24
